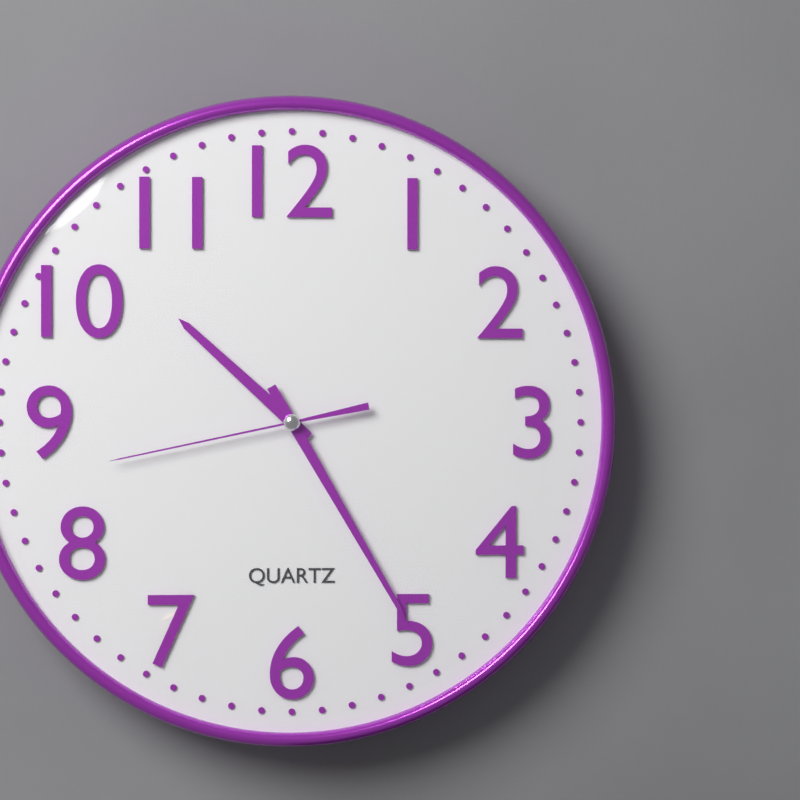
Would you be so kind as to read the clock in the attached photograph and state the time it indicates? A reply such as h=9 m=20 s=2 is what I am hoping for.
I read h=10 m=25 s=43
